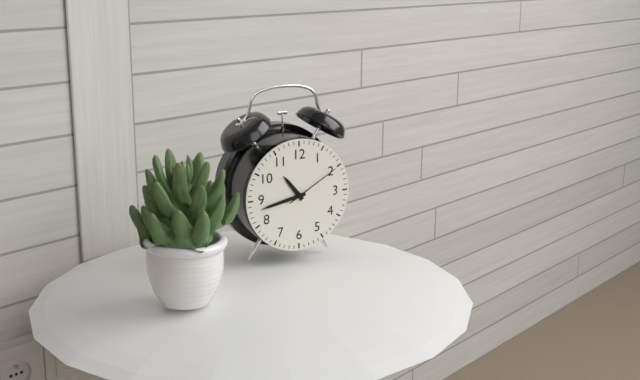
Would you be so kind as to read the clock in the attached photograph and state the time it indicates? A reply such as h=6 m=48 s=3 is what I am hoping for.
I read h=10 m=43 s=10
